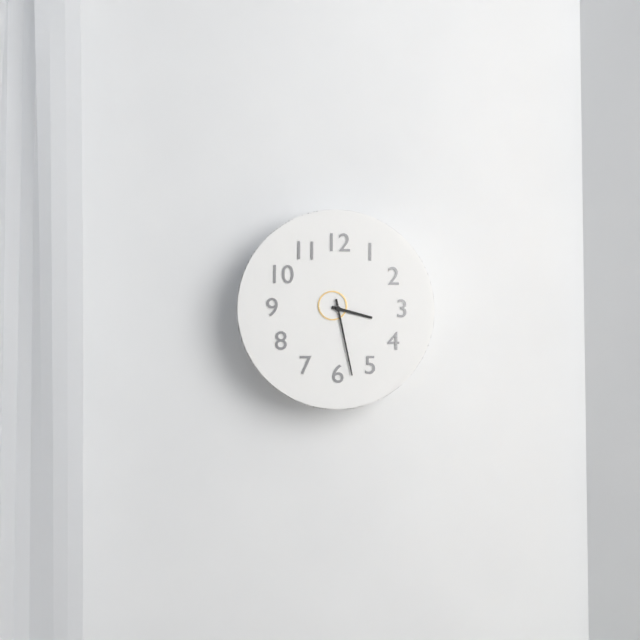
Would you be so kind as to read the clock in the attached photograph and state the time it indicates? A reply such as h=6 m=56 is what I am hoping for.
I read h=3 m=28
